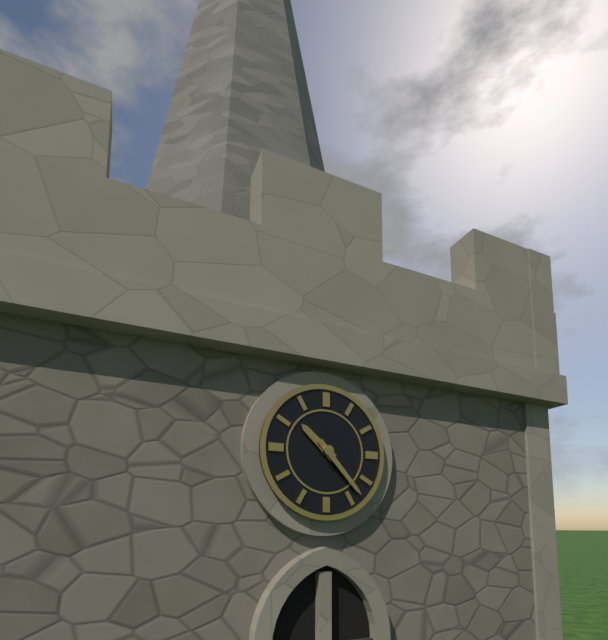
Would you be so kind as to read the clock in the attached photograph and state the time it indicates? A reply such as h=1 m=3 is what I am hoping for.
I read h=10 m=23
